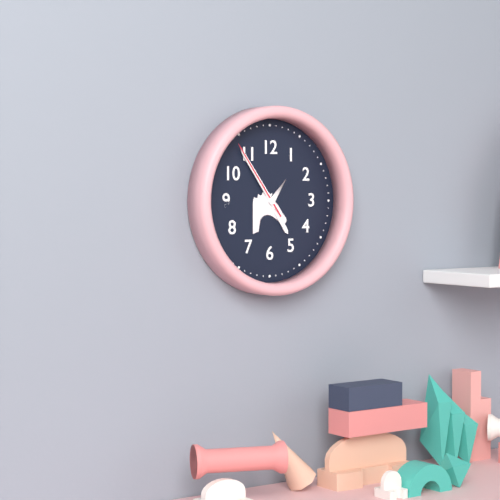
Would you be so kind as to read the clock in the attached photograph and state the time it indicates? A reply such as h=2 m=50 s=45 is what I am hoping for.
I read h=4 m=54 s=54
